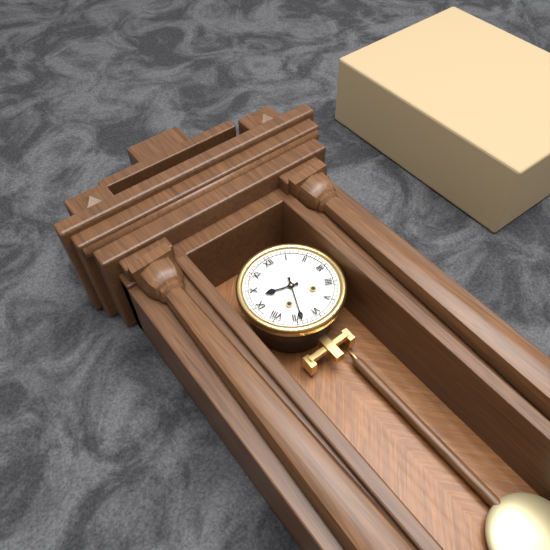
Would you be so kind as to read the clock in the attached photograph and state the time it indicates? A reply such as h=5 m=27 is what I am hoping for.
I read h=9 m=34
